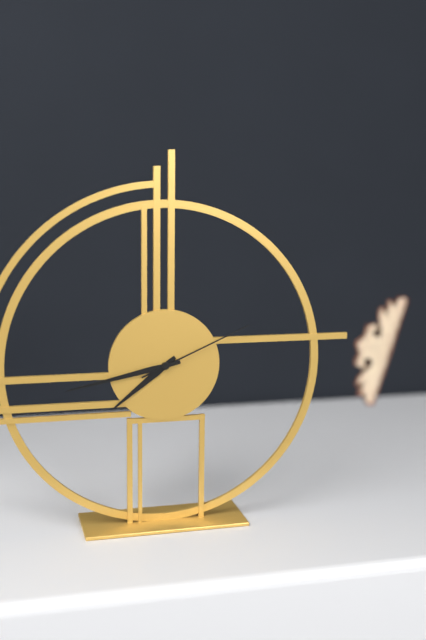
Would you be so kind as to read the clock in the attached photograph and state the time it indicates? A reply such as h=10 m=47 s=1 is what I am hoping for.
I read h=7 m=43 s=11
